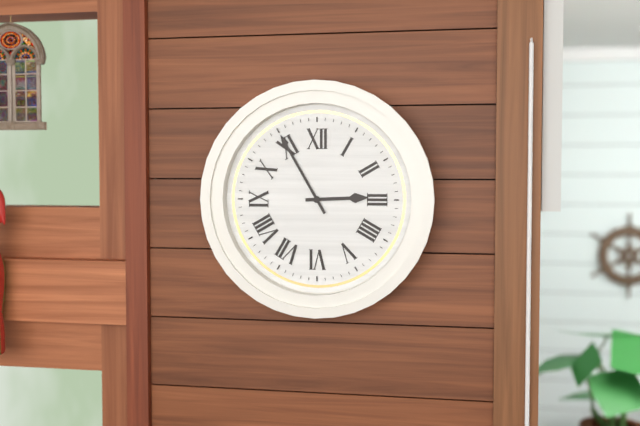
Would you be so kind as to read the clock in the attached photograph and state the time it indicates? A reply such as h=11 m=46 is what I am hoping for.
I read h=2 m=55
